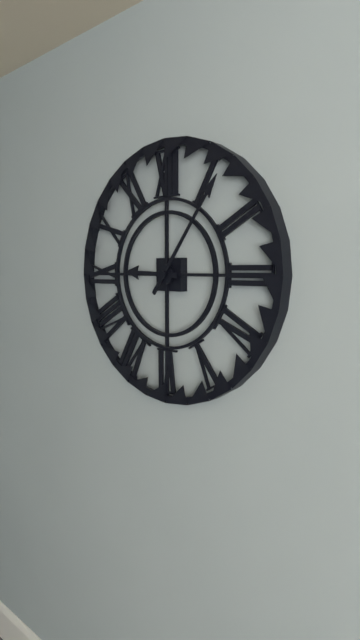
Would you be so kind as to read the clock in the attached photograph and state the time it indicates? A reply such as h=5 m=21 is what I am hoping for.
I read h=9 m=6
